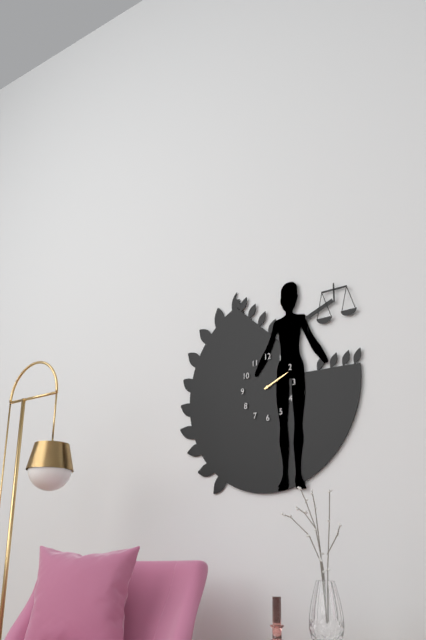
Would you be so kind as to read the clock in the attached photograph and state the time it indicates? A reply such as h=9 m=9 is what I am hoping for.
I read h=2 m=11
